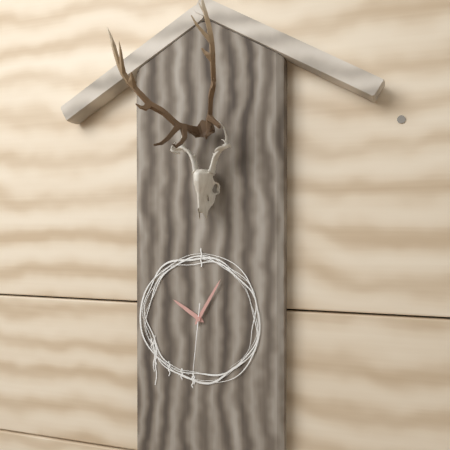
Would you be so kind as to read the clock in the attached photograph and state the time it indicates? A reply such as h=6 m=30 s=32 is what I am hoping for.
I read h=10 m=5 s=31
